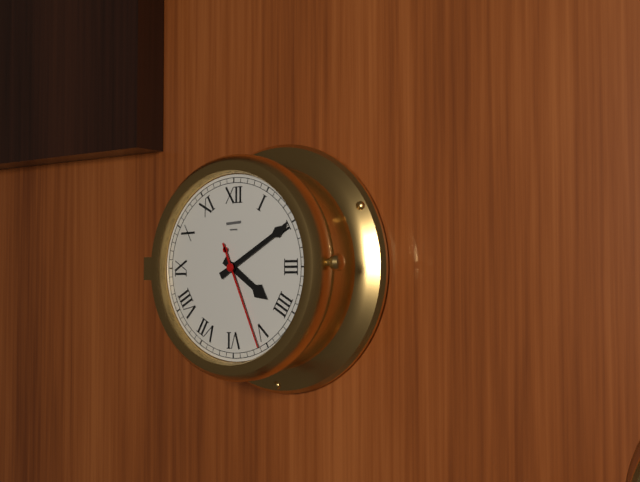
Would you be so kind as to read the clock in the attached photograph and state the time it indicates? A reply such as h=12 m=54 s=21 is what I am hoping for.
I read h=4 m=10 s=26
